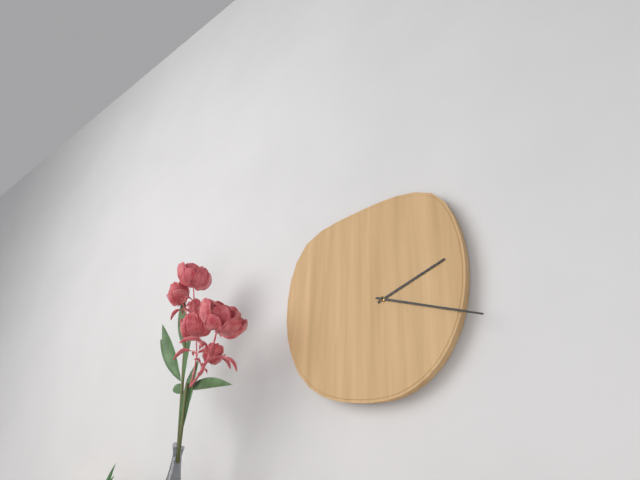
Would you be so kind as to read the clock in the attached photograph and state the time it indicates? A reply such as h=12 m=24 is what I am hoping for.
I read h=2 m=18
